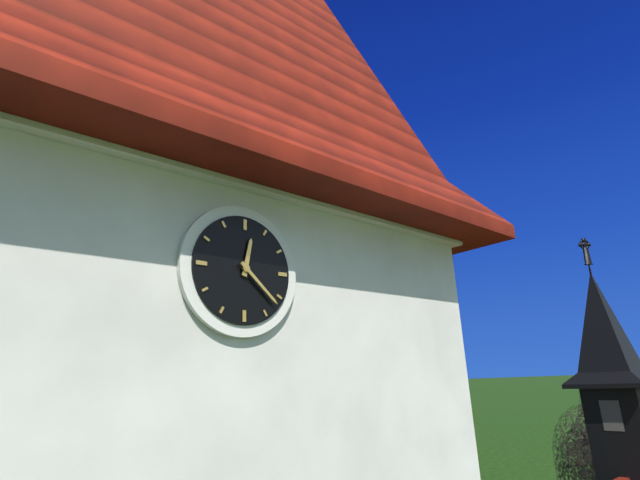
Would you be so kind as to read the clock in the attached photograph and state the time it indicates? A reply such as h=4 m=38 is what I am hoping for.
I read h=12 m=22
